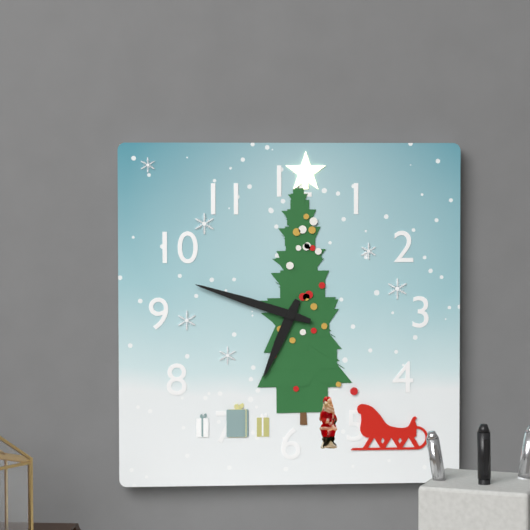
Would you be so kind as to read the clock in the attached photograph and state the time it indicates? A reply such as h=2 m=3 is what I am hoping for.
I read h=6 m=48
